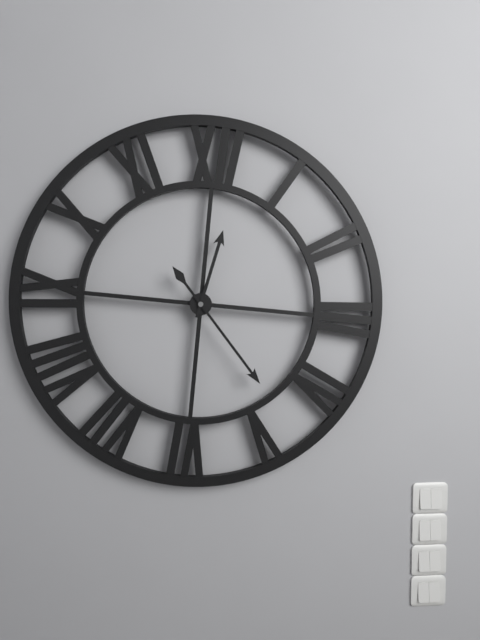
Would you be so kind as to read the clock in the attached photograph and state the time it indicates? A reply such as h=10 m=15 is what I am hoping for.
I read h=12 m=23
